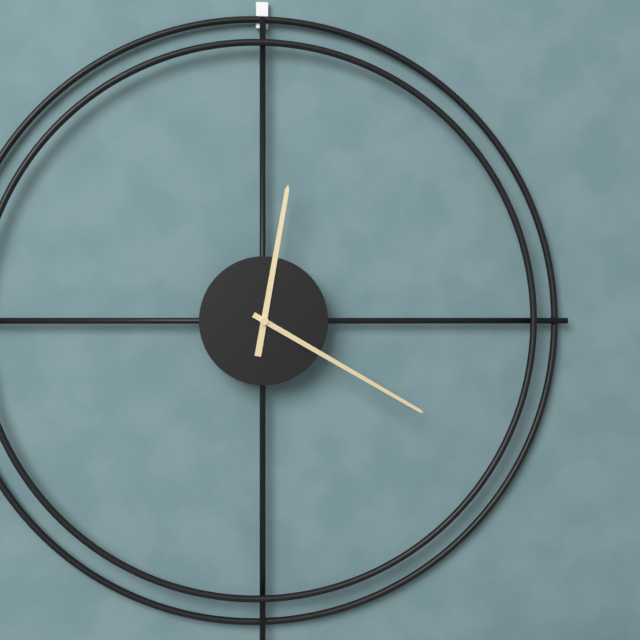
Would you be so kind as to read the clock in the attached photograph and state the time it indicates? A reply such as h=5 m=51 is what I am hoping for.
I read h=12 m=20
